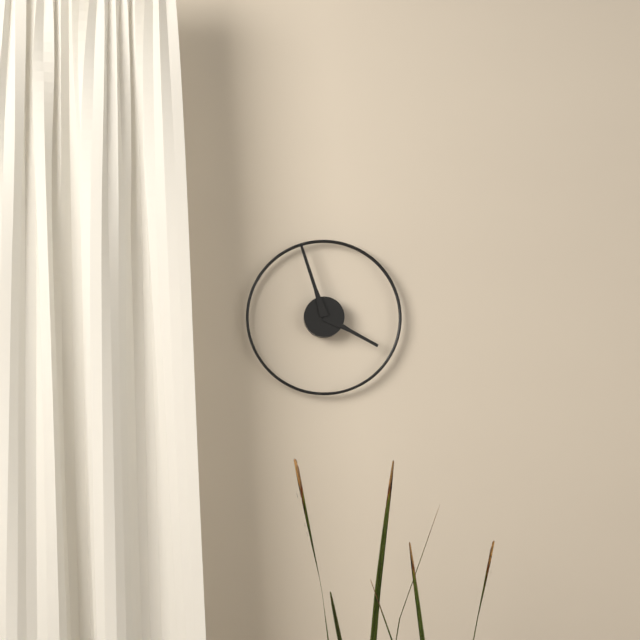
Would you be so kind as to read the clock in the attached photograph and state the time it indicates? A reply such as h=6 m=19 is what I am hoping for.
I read h=3 m=57
